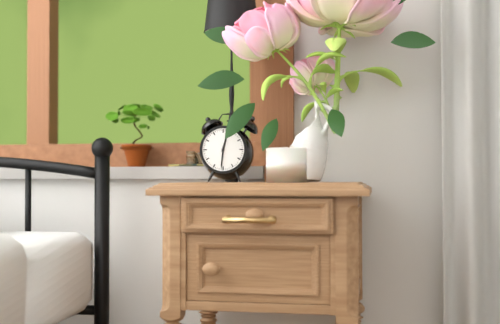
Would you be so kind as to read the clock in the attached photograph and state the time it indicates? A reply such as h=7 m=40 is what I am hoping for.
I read h=12 m=31
